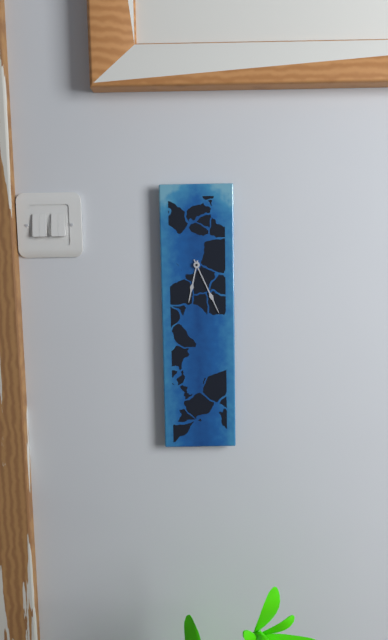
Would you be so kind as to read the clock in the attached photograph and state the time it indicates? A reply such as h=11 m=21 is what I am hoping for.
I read h=6 m=26
